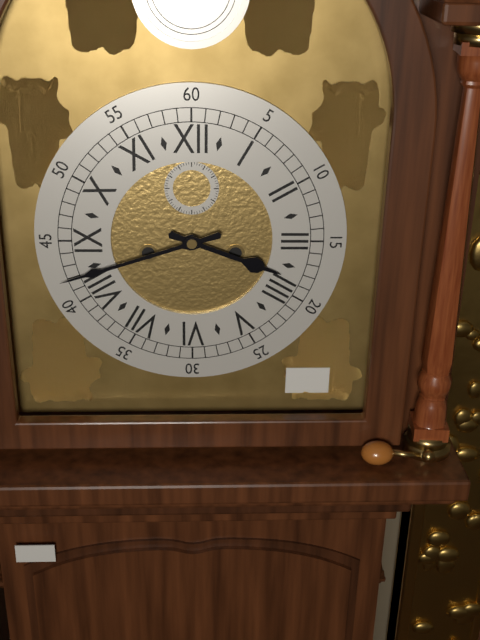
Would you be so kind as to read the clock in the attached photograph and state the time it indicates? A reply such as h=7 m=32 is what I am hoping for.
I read h=3 m=42
